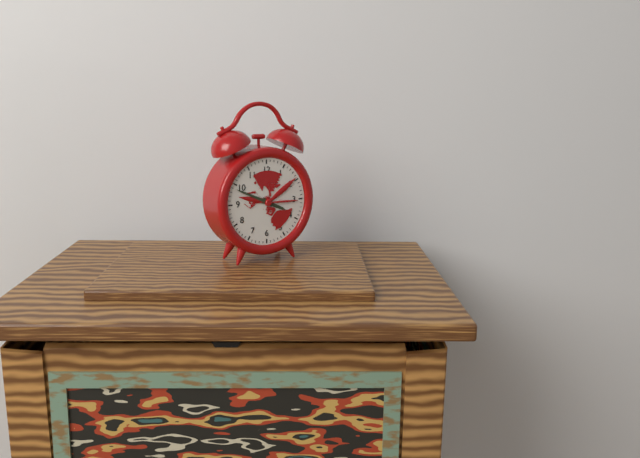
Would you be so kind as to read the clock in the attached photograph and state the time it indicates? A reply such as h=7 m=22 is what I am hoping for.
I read h=3 m=49
